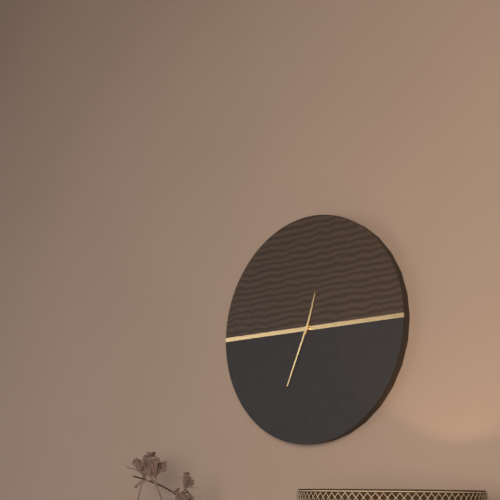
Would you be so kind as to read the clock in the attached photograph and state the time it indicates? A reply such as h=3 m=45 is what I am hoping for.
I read h=12 m=34
